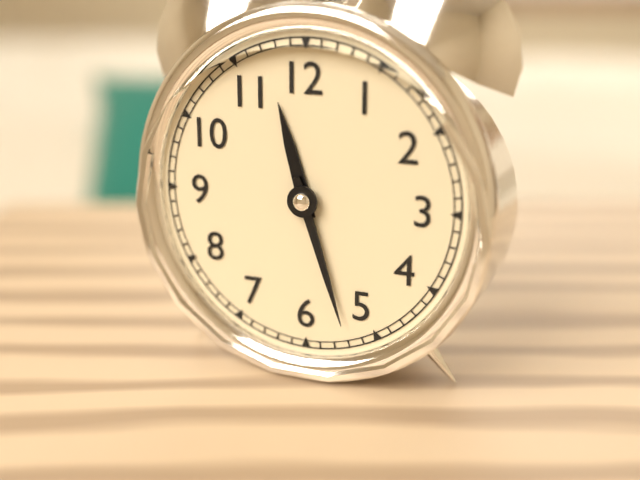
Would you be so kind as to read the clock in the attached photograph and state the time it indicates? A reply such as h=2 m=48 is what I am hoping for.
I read h=11 m=27
